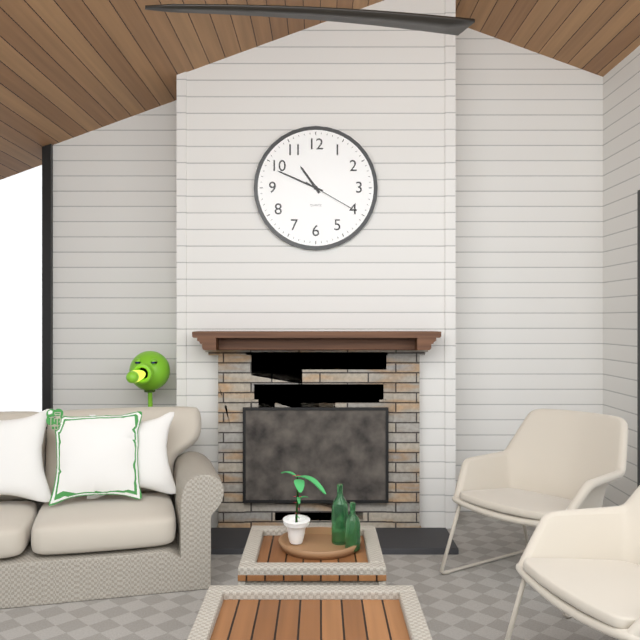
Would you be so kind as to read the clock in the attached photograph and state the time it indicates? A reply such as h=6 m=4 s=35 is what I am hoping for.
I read h=10 m=49 s=20
